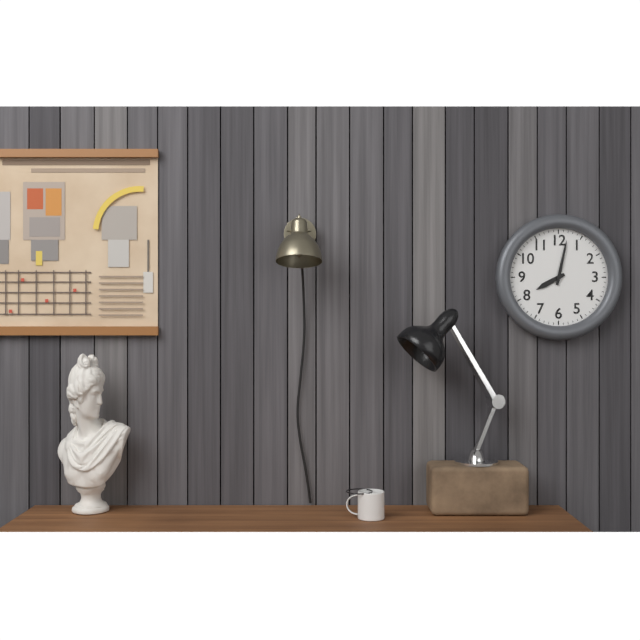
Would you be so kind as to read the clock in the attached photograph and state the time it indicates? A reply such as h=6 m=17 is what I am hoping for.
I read h=8 m=2
